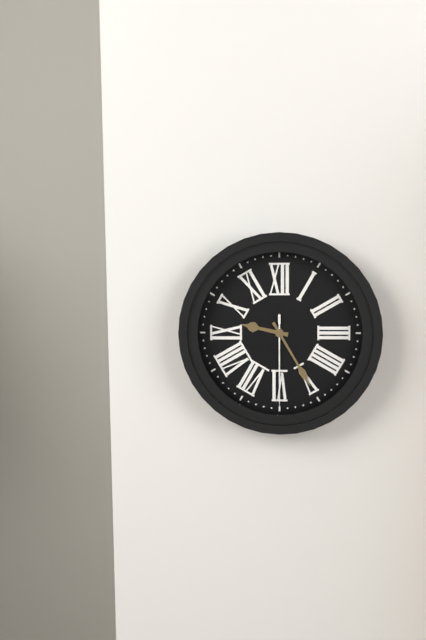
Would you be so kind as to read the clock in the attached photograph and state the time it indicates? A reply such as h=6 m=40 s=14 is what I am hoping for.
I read h=9 m=25 s=30
